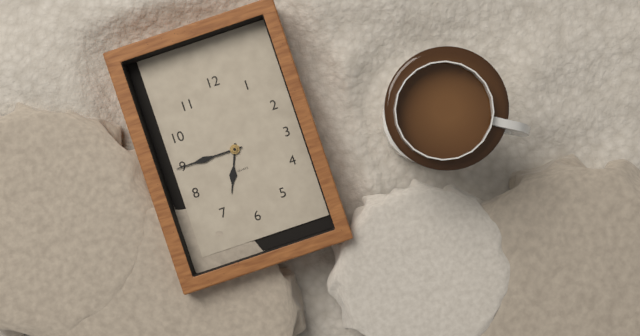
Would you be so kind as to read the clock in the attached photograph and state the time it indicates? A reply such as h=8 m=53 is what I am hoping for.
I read h=6 m=45
